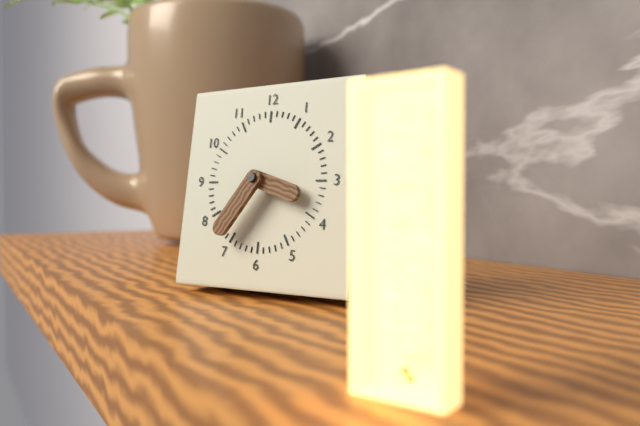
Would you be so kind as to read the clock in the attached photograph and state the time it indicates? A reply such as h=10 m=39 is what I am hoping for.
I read h=3 m=36
